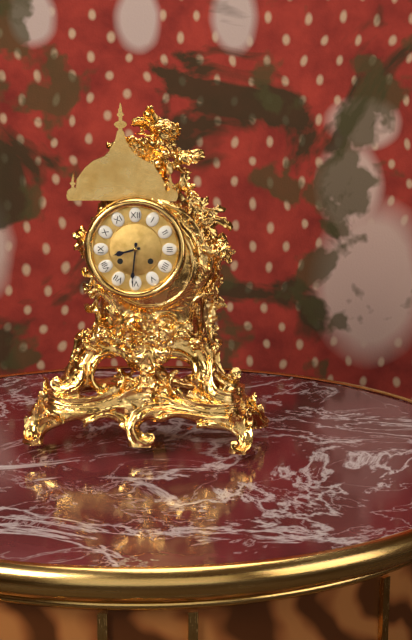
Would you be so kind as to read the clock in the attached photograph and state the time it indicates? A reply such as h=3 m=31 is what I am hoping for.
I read h=8 m=31
